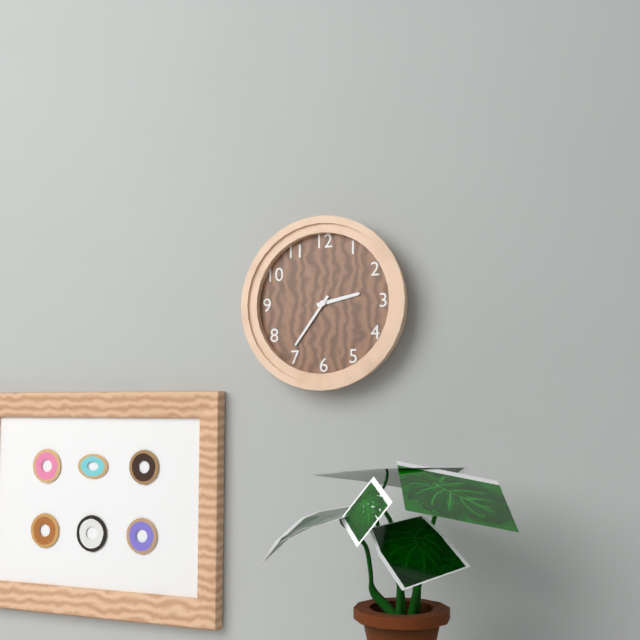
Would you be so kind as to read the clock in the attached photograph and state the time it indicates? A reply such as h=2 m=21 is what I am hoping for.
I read h=2 m=36
